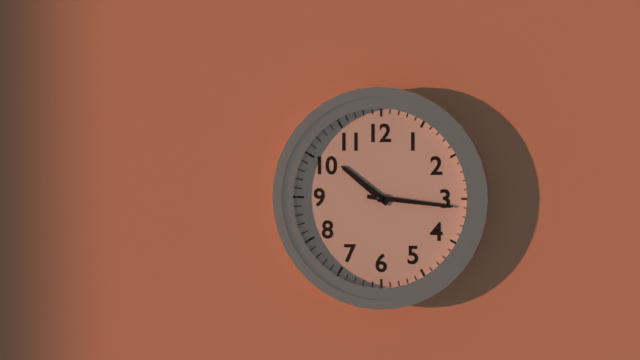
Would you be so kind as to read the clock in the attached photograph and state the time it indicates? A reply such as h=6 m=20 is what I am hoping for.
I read h=10 m=16
